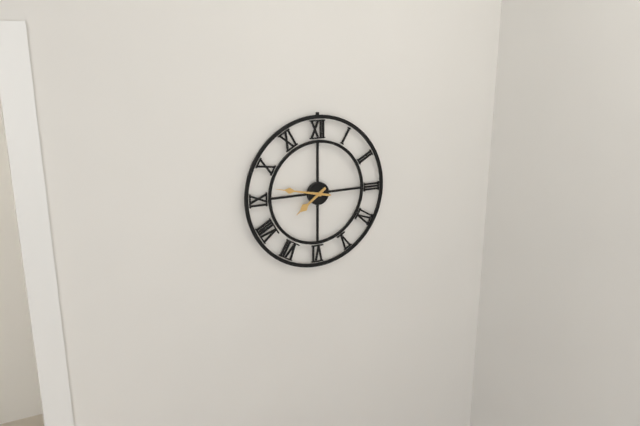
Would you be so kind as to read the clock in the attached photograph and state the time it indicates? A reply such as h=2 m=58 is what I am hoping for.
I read h=7 m=47
